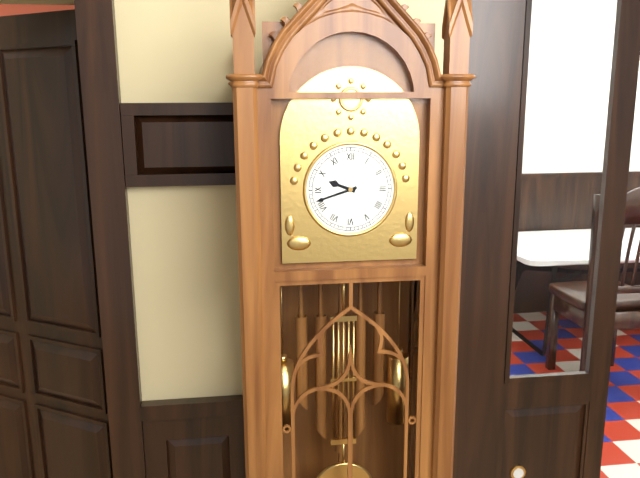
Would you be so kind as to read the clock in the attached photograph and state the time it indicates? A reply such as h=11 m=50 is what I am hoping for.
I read h=9 m=42
